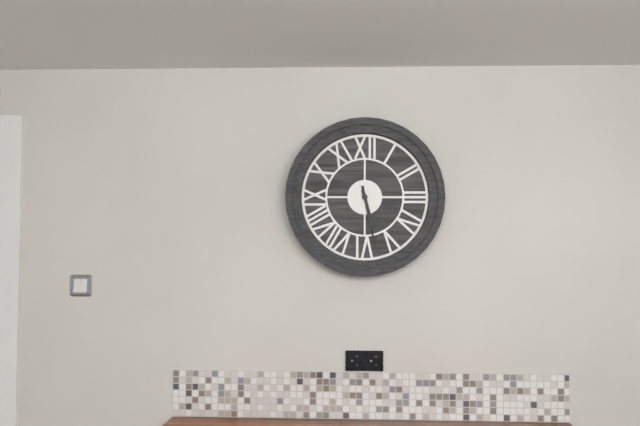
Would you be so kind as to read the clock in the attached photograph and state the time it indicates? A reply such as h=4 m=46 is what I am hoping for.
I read h=5 m=28
